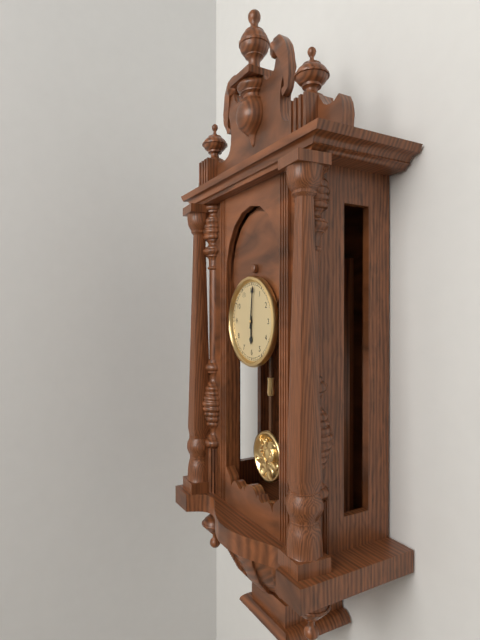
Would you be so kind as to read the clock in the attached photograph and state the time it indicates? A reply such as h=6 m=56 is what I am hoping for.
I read h=6 m=1
